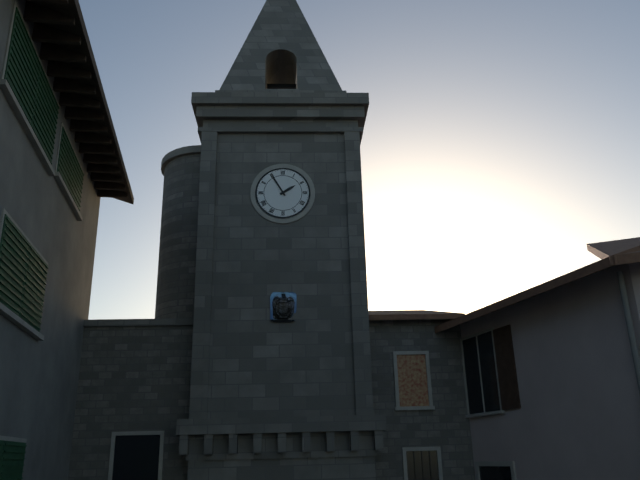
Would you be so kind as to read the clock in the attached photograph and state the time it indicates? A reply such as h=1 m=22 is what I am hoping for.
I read h=1 m=55
